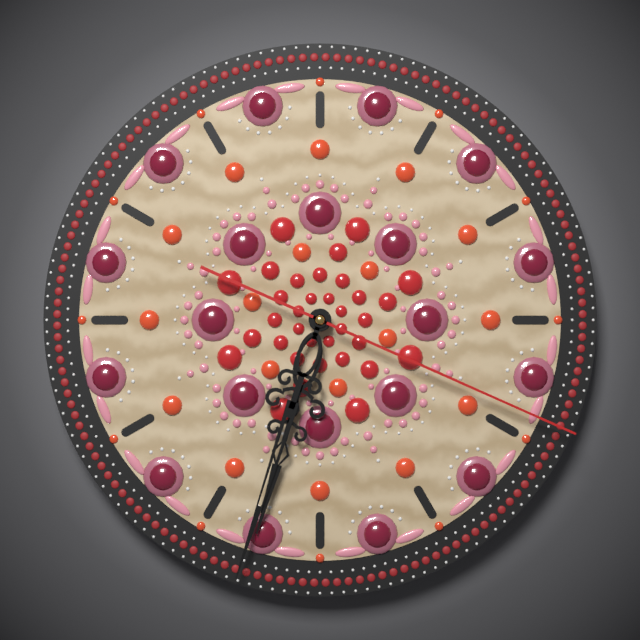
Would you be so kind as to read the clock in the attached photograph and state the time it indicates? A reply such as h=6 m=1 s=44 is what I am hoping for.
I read h=6 m=33 s=19
